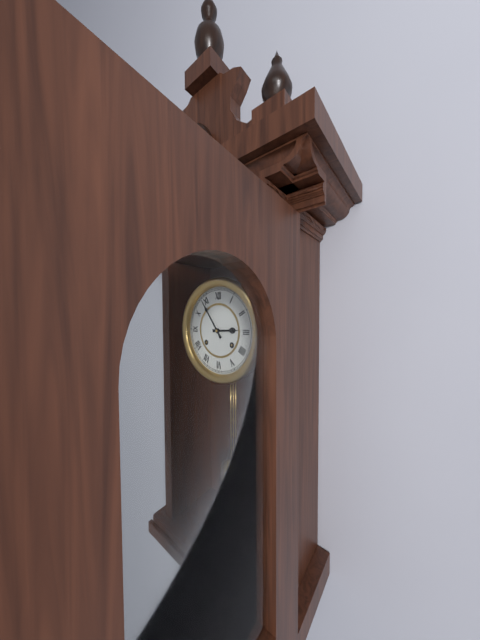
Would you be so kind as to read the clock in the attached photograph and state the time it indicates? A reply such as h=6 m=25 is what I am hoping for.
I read h=2 m=54
